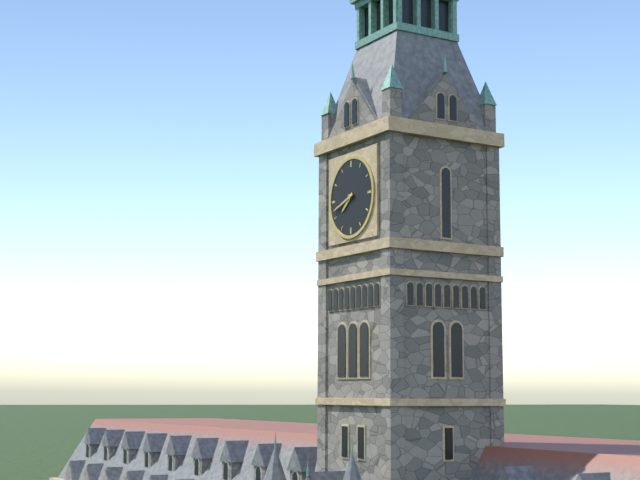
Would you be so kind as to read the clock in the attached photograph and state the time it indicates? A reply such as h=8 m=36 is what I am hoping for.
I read h=7 m=42
